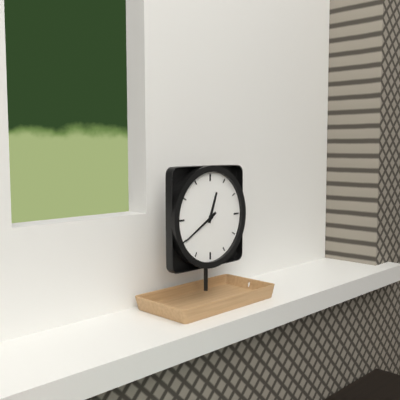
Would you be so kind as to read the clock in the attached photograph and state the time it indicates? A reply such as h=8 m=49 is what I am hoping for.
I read h=12 m=40
